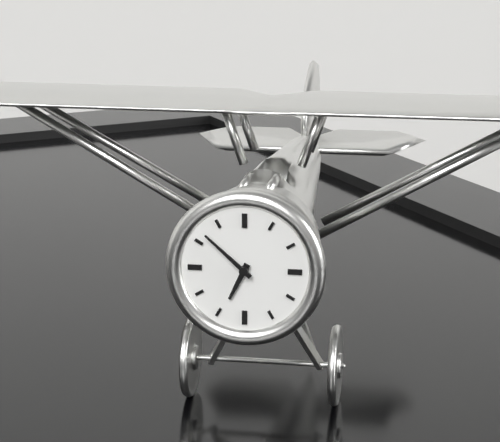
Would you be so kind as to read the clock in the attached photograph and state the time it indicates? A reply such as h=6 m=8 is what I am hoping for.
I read h=6 m=52
